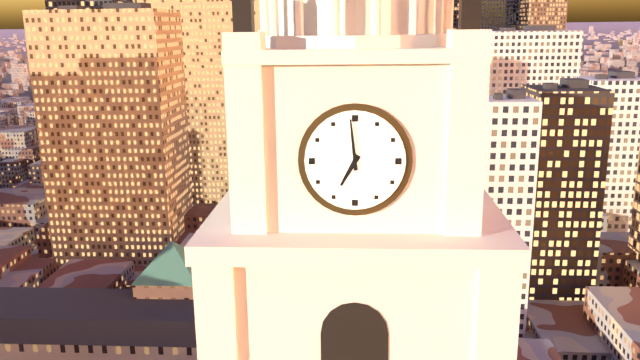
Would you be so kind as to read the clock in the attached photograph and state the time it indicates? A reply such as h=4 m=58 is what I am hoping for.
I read h=6 m=59
